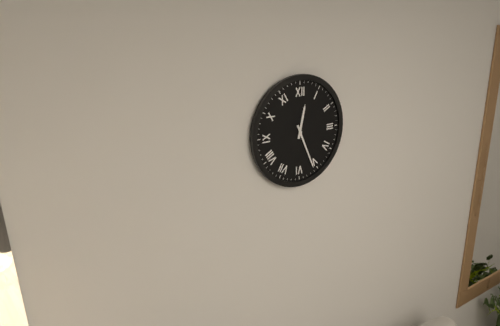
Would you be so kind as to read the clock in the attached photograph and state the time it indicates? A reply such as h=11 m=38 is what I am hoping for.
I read h=12 m=26
